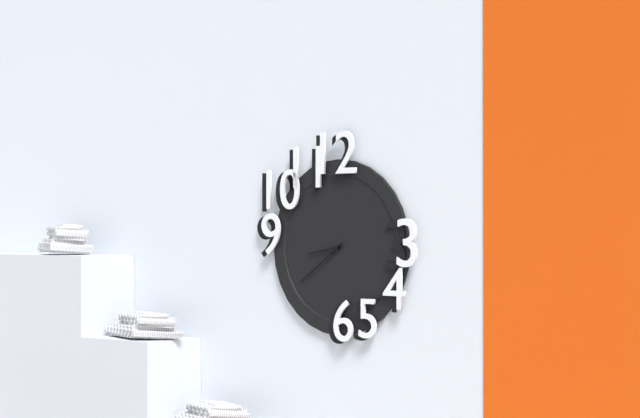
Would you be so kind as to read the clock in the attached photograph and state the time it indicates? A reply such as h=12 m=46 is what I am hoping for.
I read h=8 m=39
